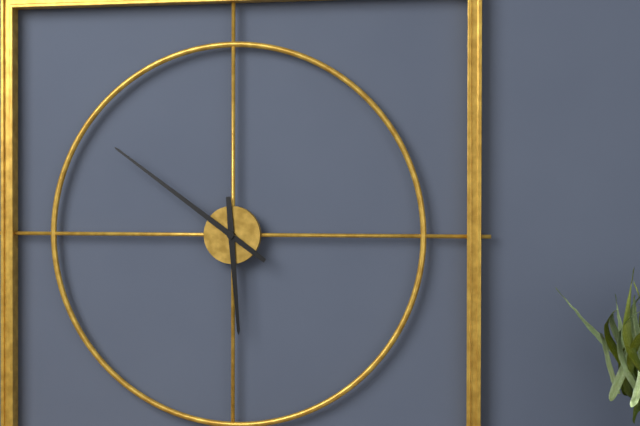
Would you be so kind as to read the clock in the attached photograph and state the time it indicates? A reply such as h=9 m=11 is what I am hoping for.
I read h=5 m=51
